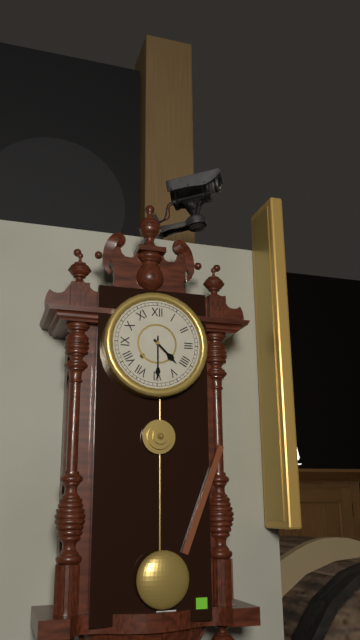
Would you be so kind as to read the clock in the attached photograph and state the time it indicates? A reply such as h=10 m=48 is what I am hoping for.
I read h=4 m=30
